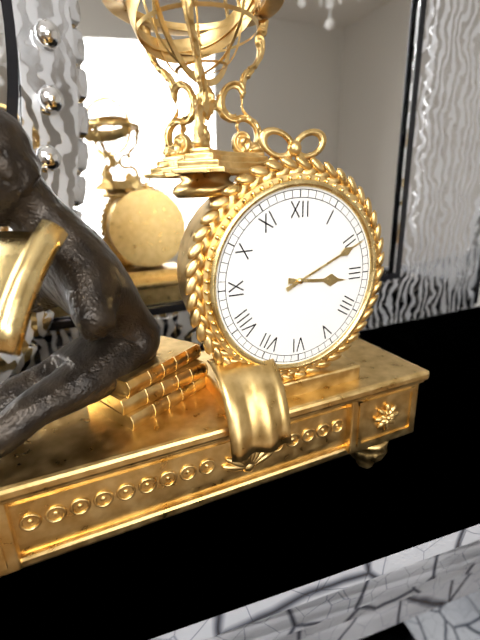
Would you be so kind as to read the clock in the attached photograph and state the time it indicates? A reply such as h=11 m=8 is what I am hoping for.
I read h=3 m=11
